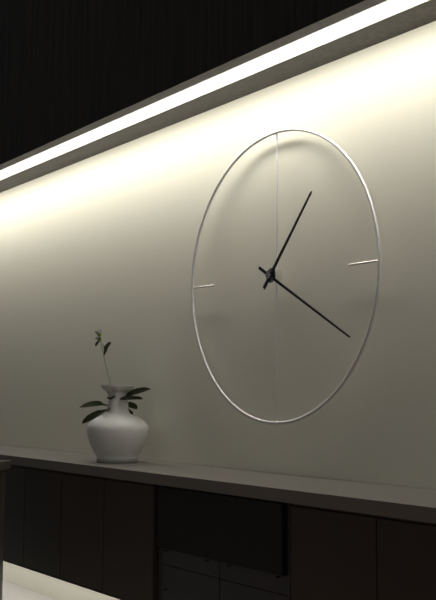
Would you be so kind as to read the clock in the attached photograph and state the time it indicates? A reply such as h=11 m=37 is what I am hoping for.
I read h=1 m=20
